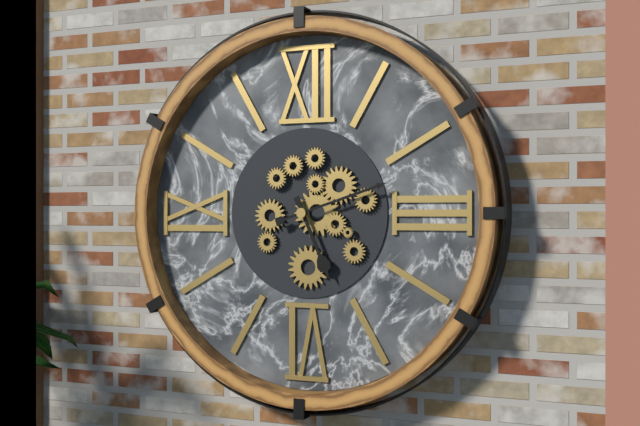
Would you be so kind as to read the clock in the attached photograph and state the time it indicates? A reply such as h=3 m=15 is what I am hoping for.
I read h=5 m=12
